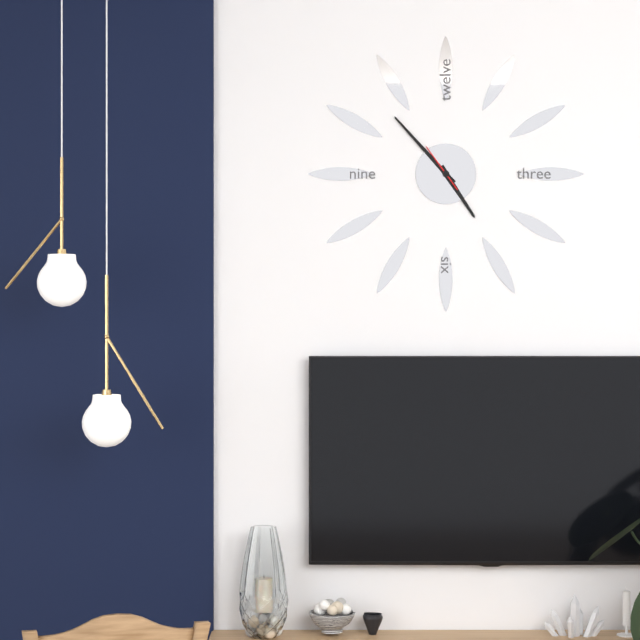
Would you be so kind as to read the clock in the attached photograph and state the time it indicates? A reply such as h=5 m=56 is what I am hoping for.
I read h=4 m=53
